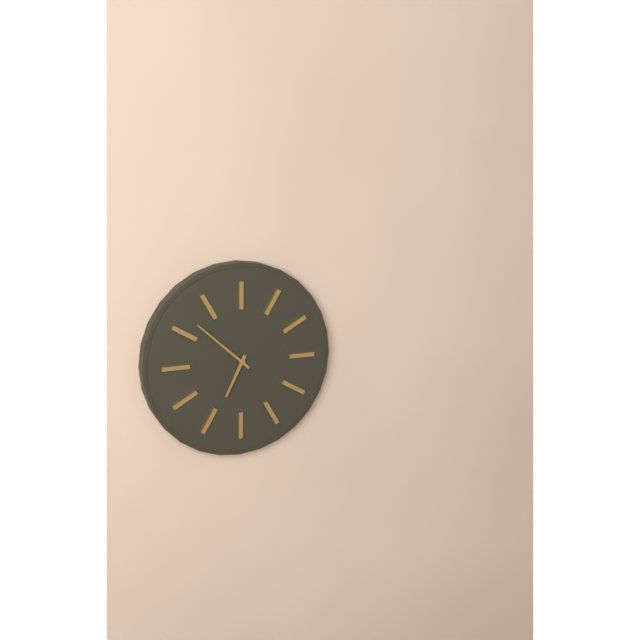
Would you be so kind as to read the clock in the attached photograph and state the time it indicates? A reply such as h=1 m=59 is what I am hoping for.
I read h=6 m=52
